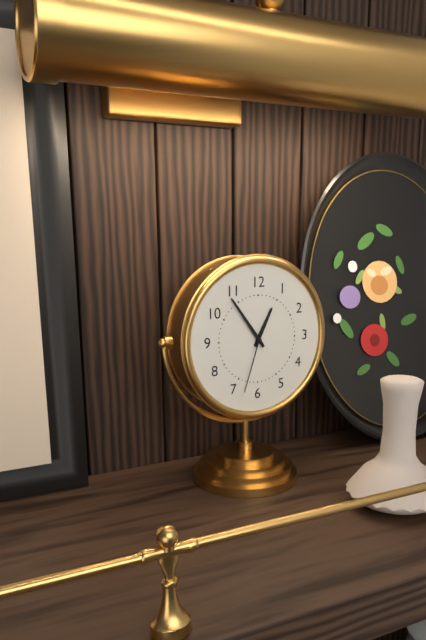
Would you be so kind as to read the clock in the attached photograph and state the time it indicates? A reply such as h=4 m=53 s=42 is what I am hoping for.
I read h=12 m=54 s=33
